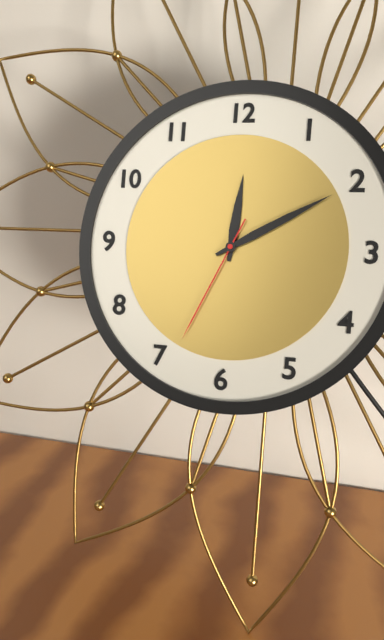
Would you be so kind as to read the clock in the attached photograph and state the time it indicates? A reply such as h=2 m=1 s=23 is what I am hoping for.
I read h=12 m=10 s=34
